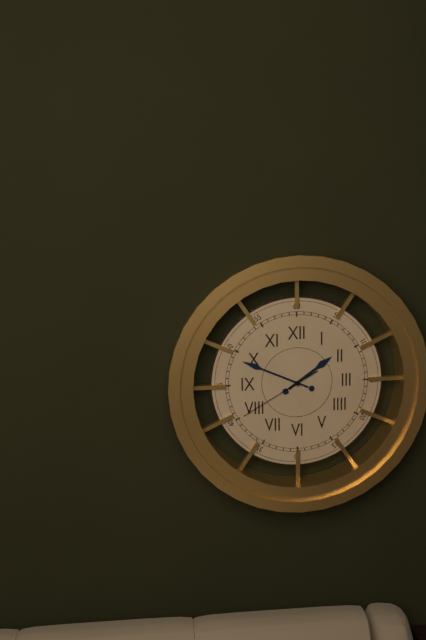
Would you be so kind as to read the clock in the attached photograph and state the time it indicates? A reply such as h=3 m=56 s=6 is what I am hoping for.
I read h=1 m=49 s=40
